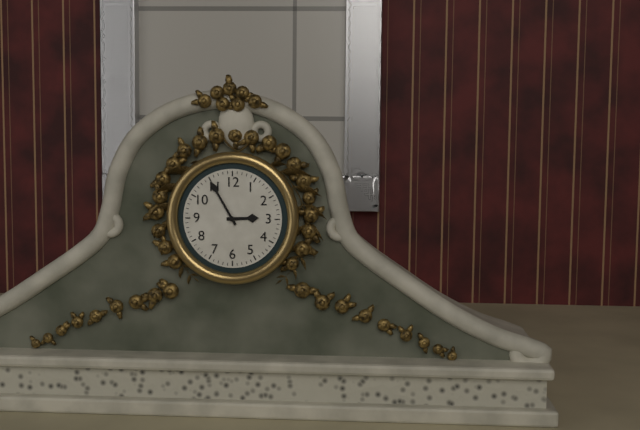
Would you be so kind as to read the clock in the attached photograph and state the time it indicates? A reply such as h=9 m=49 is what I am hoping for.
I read h=2 m=55
